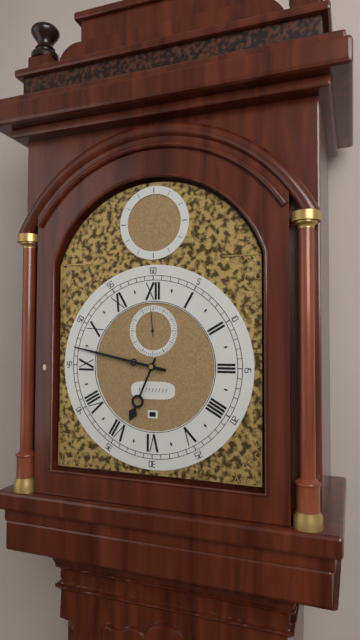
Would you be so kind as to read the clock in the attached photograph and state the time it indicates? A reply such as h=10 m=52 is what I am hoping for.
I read h=6 m=47
